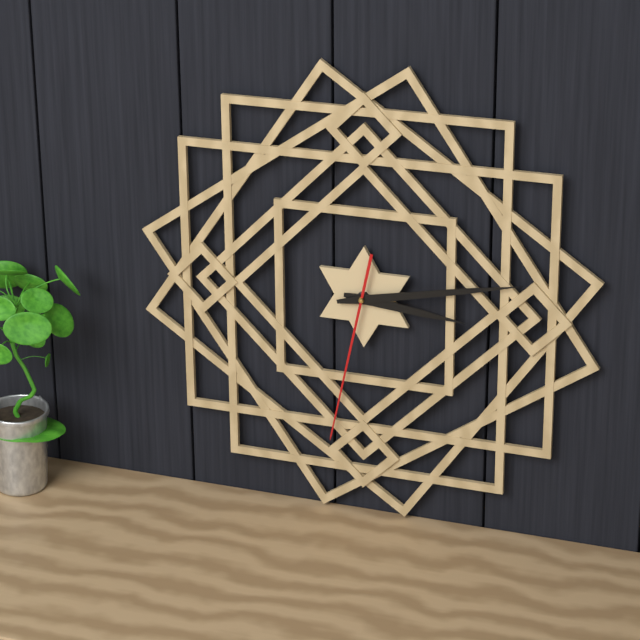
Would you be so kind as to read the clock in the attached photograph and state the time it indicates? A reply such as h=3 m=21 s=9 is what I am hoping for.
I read h=3 m=13 s=32
